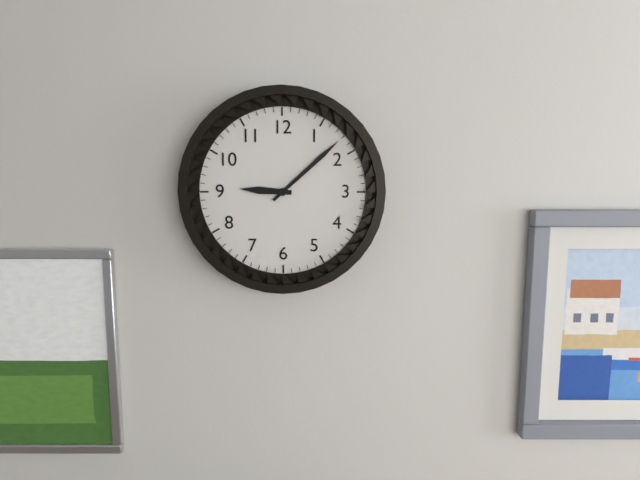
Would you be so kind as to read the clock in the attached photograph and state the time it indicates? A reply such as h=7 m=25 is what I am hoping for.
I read h=9 m=8
